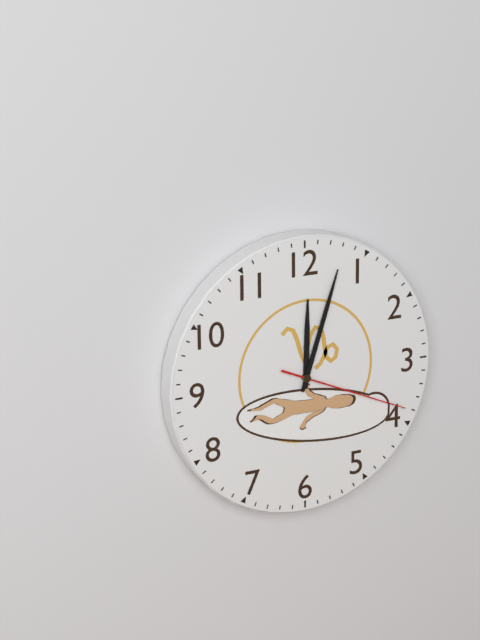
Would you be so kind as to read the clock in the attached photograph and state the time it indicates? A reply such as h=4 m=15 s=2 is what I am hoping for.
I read h=12 m=3 s=19
